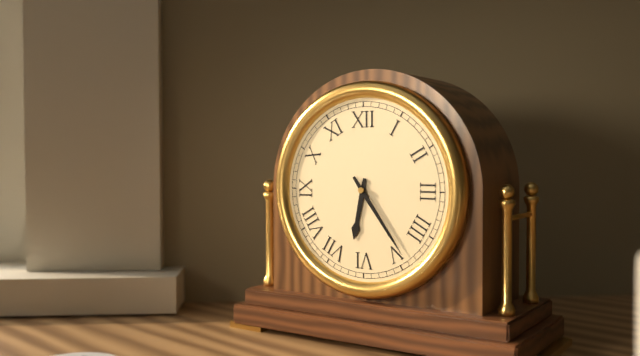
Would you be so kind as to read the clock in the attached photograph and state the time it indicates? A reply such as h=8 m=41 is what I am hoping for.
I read h=6 m=24
